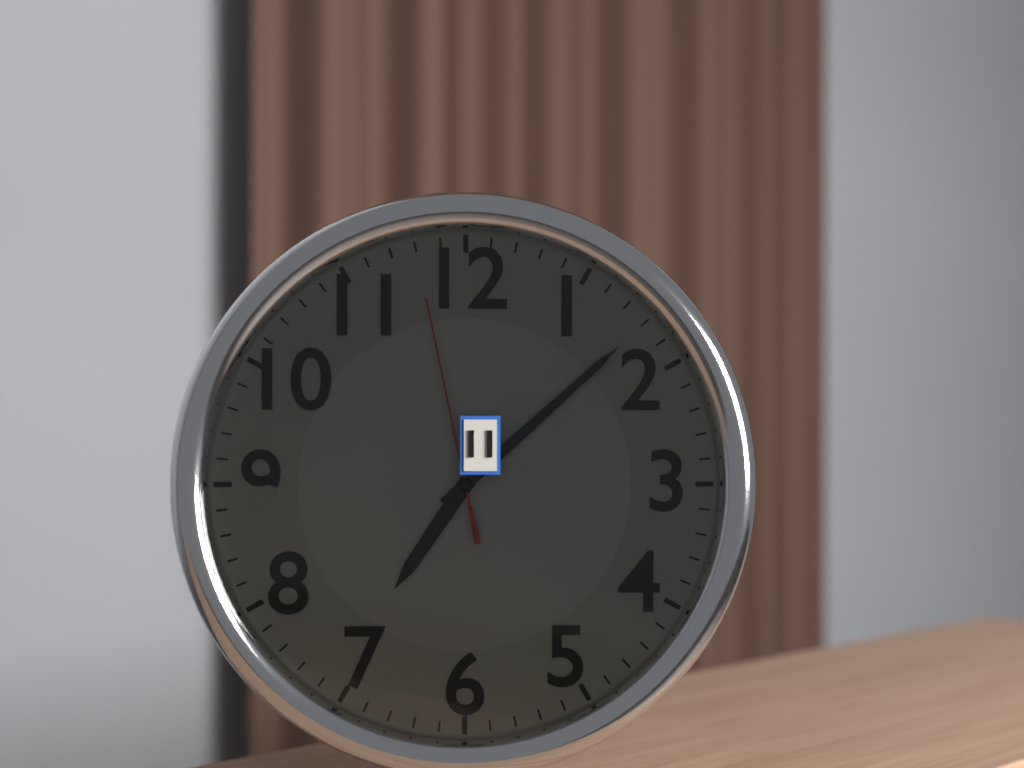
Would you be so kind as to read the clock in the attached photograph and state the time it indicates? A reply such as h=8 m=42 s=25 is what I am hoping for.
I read h=7 m=8 s=58
